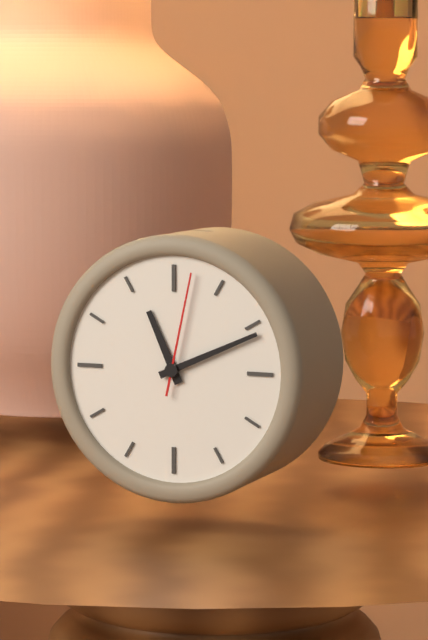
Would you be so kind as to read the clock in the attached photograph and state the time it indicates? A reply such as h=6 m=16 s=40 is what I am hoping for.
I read h=11 m=11 s=2
